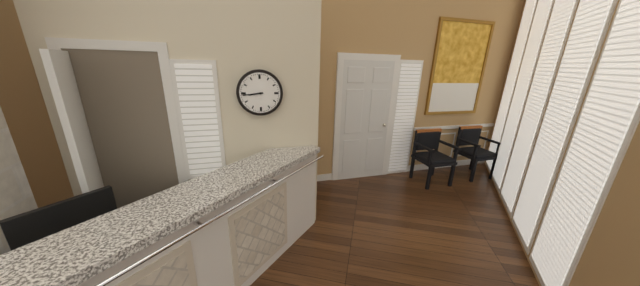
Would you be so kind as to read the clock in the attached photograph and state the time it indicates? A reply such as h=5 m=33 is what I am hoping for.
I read h=8 m=44
